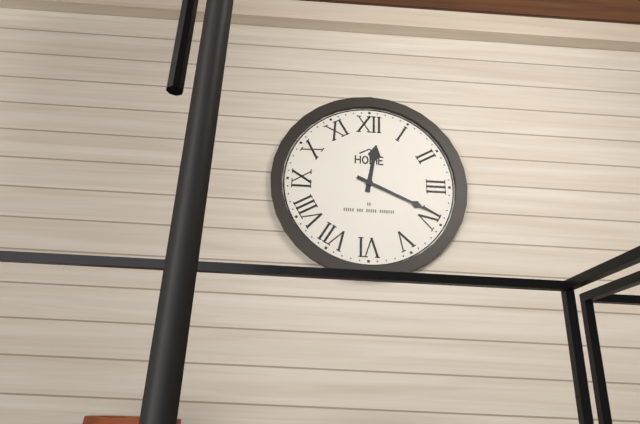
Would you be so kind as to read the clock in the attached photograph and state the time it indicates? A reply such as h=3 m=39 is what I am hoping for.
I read h=12 m=19
